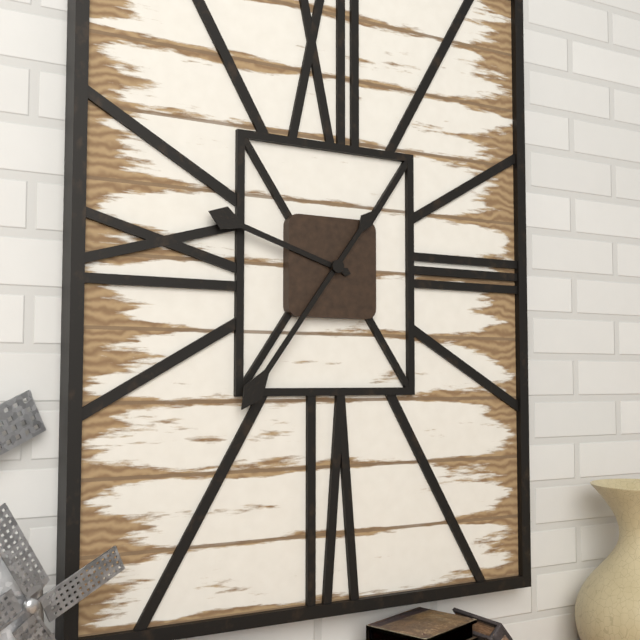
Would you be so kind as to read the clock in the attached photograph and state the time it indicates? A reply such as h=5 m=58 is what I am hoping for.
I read h=9 m=36
